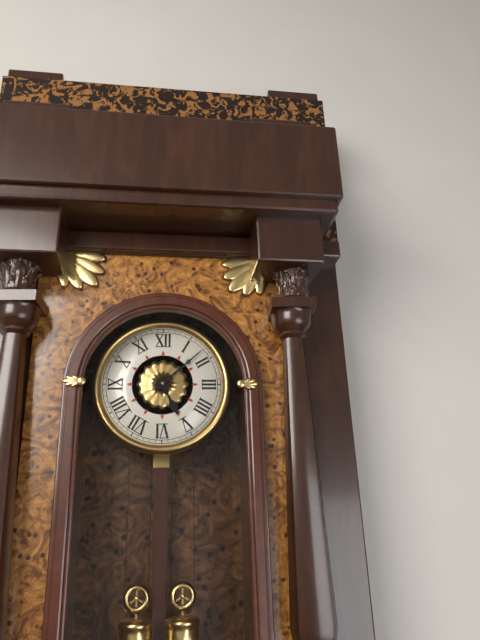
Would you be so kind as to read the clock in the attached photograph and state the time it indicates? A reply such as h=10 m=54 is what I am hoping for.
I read h=5 m=8
